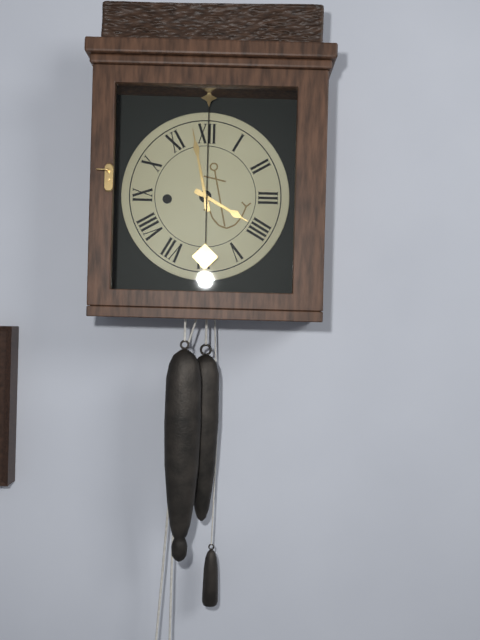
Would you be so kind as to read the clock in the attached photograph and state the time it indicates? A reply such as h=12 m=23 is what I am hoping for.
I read h=3 m=58
